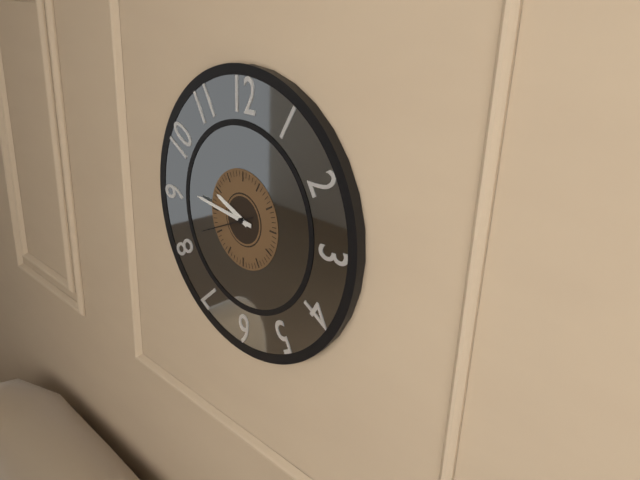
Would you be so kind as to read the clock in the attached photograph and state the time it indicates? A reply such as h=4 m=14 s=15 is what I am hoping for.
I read h=9 m=46 s=41
